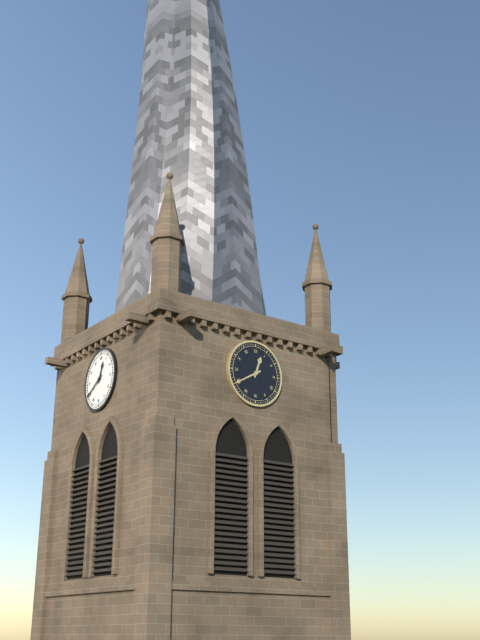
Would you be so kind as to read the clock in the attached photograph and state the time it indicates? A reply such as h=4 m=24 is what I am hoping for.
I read h=12 m=40
